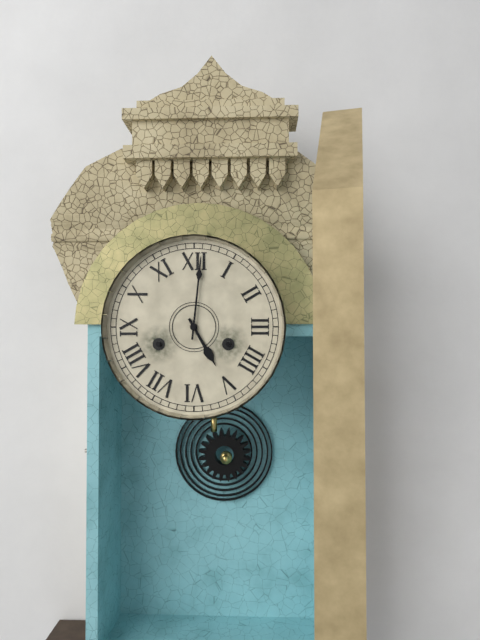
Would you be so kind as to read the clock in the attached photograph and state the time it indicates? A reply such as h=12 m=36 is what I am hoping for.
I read h=5 m=1
